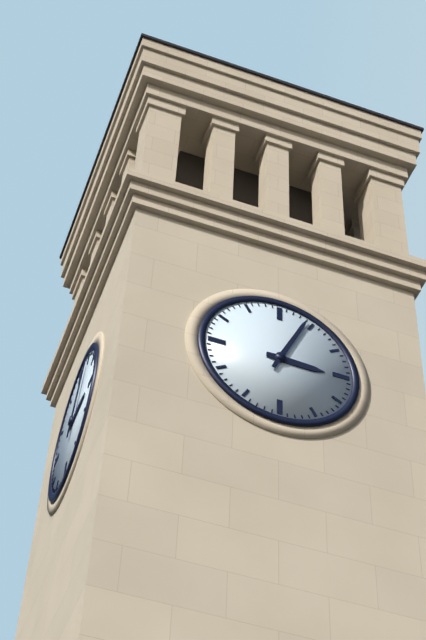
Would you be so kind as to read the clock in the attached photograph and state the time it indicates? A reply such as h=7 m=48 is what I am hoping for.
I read h=3 m=4
